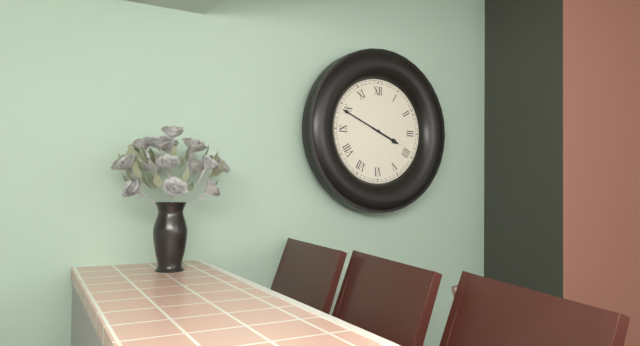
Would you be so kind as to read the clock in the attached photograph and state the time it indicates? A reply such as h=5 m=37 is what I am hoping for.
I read h=3 m=49
